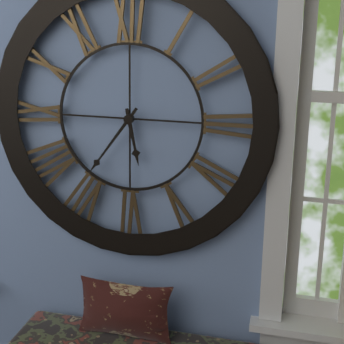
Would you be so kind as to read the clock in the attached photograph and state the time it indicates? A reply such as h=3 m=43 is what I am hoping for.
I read h=5 m=36
